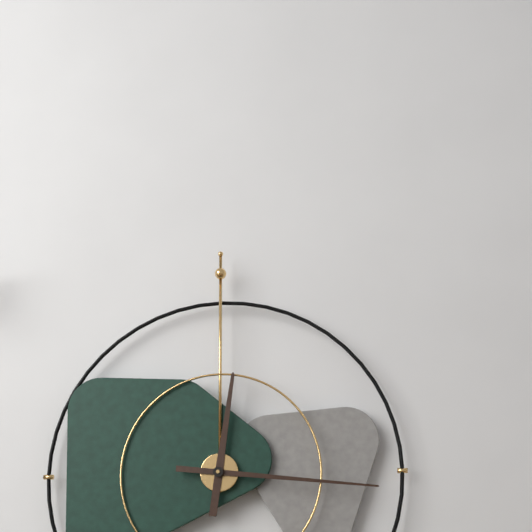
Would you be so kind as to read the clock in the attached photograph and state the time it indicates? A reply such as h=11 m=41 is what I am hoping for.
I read h=12 m=16
